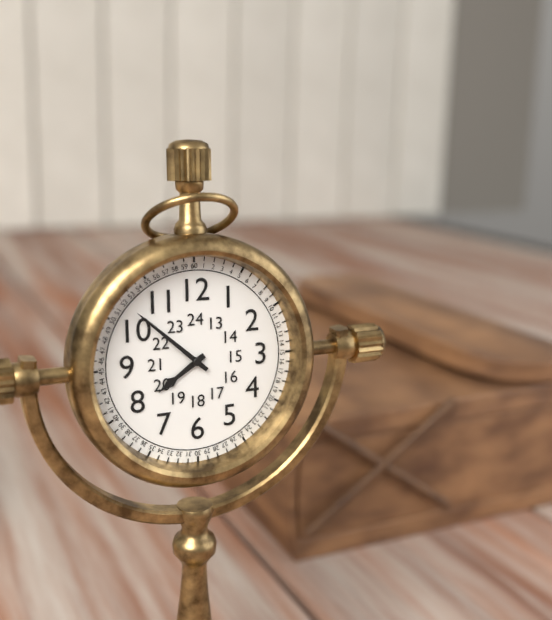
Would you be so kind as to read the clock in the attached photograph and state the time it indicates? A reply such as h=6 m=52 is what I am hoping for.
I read h=7 m=52
